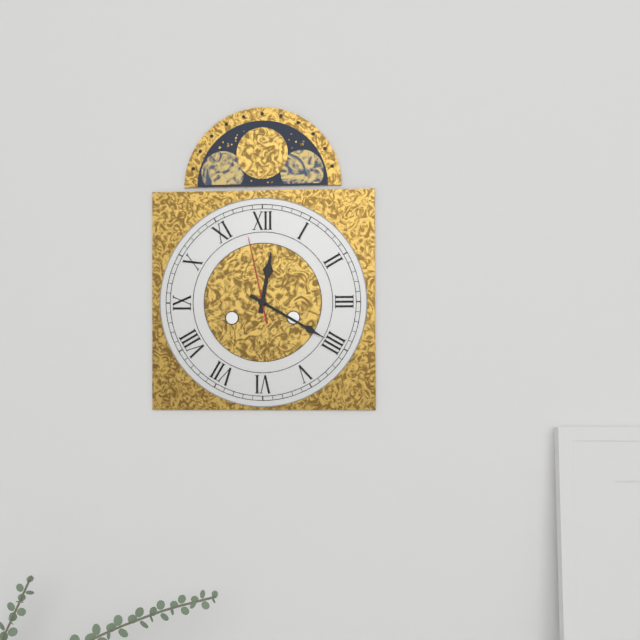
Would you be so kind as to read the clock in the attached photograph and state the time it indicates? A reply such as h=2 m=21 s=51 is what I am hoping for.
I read h=12 m=20 s=58
